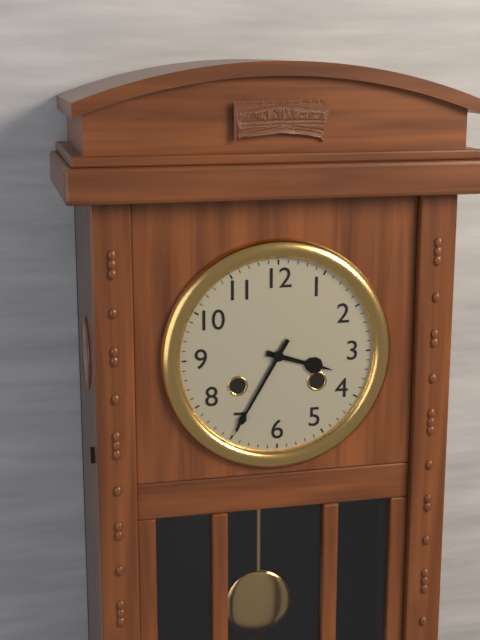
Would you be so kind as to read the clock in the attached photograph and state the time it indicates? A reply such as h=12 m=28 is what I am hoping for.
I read h=3 m=35
